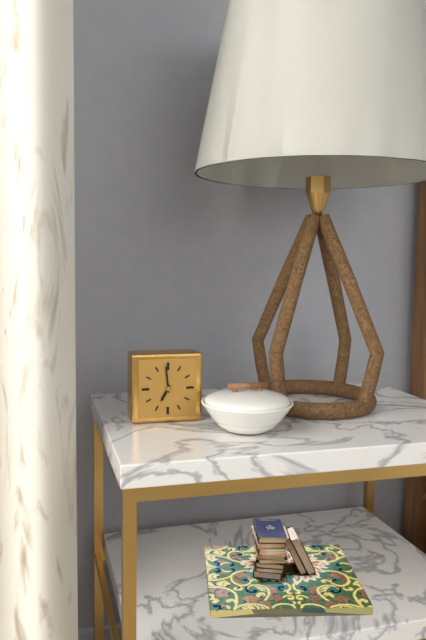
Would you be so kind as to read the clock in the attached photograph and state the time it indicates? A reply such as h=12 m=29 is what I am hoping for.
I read h=6 m=59
